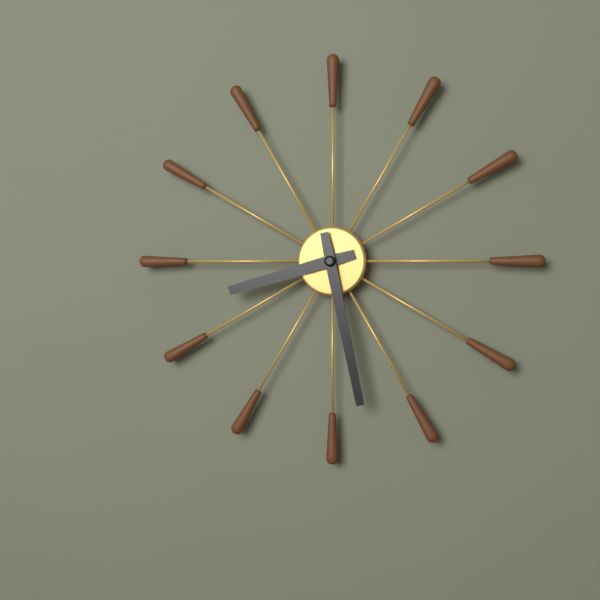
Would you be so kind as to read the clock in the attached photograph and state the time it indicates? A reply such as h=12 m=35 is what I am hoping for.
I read h=8 m=28
